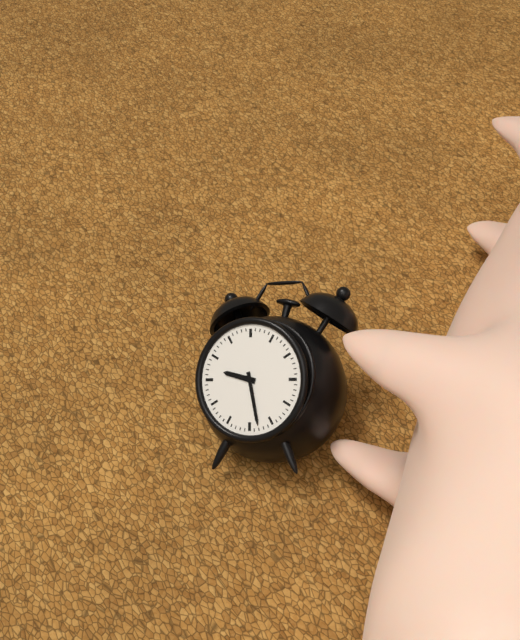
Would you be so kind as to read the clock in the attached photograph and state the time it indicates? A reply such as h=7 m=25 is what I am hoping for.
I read h=9 m=28
